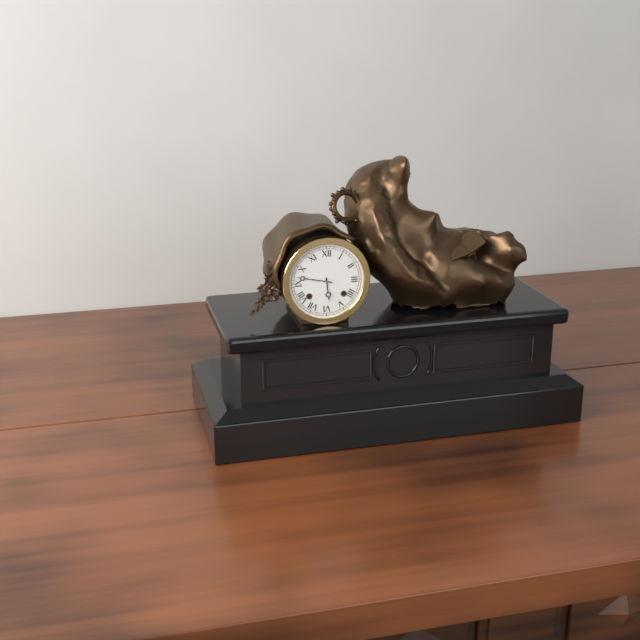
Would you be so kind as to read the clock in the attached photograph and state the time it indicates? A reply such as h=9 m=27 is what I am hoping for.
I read h=5 m=47
